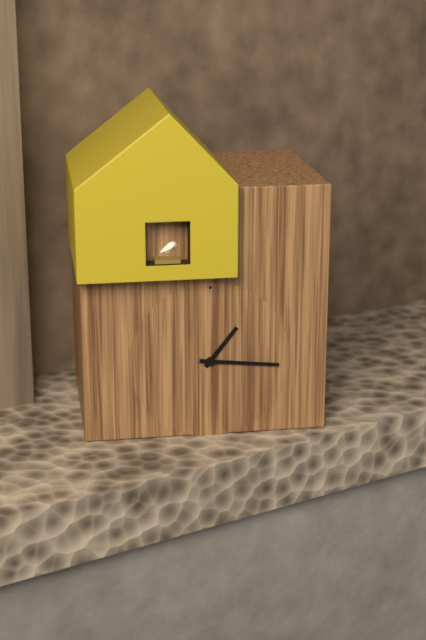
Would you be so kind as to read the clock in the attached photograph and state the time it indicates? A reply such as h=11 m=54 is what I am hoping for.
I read h=1 m=16
